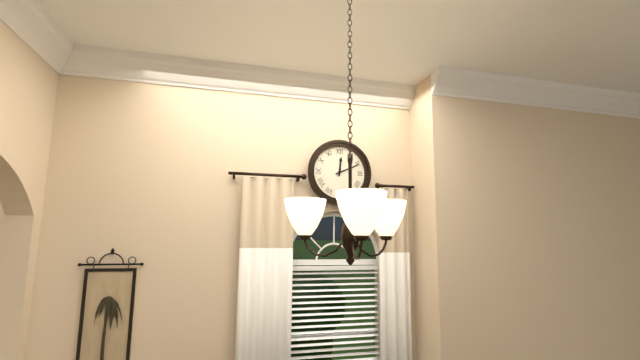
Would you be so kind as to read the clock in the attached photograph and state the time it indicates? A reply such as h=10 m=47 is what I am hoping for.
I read h=12 m=11
